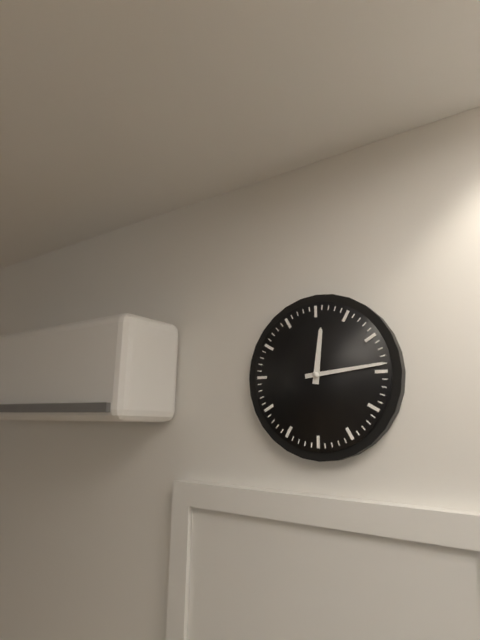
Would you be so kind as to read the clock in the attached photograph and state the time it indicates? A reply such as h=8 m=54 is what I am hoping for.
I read h=12 m=14
